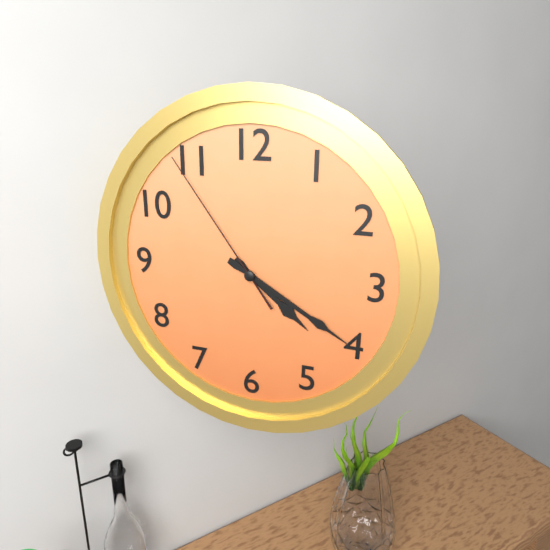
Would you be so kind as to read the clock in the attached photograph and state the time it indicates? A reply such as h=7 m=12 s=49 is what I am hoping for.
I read h=4 m=20 s=54
